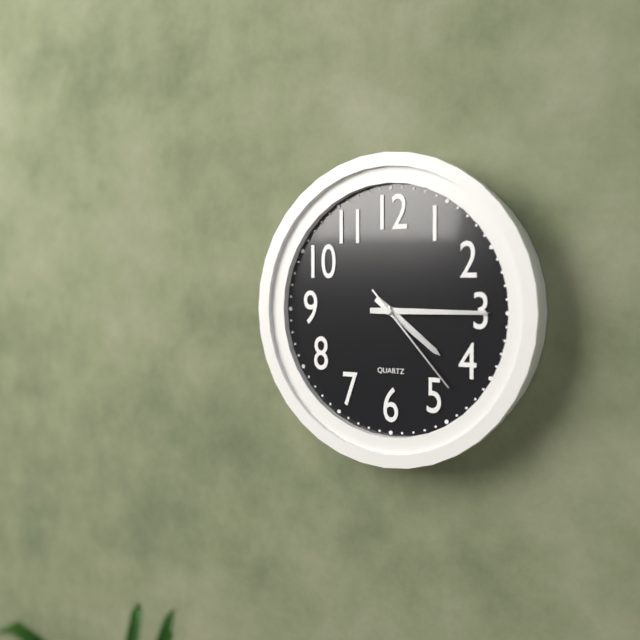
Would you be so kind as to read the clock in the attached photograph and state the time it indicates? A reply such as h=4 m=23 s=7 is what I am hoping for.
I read h=4 m=15 s=23
